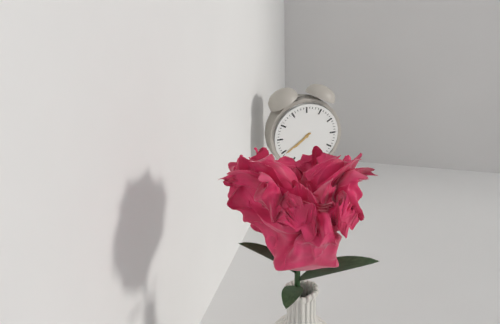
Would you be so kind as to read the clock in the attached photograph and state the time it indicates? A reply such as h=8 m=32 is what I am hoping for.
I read h=7 m=39
